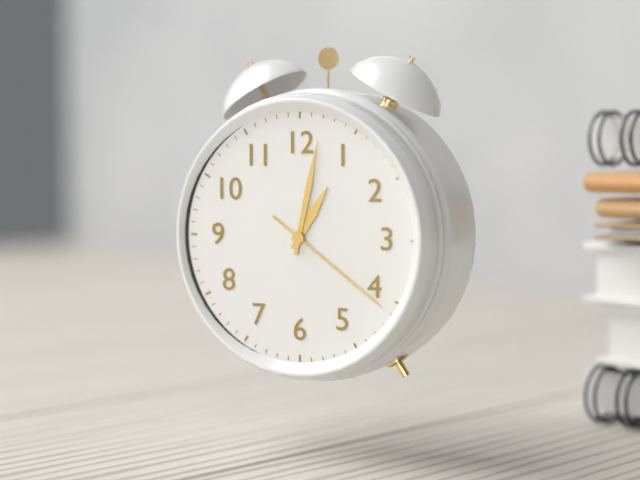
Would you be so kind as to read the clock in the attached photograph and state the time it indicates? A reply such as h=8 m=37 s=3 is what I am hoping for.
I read h=1 m=2 s=21
